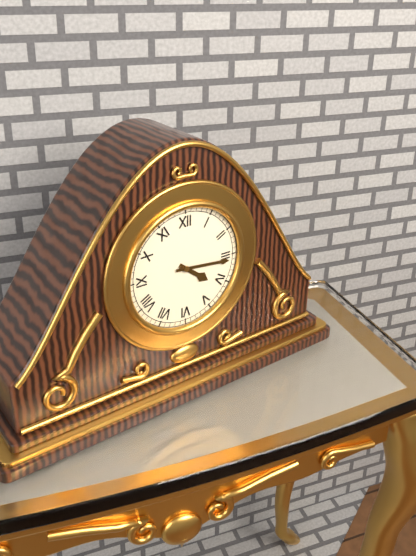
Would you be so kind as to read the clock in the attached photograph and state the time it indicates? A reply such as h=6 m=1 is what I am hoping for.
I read h=4 m=16
